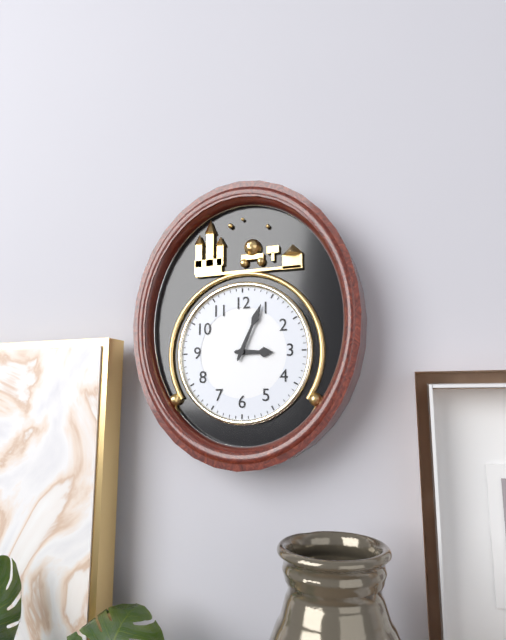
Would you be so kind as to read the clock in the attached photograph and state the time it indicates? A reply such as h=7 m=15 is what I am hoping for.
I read h=3 m=4
